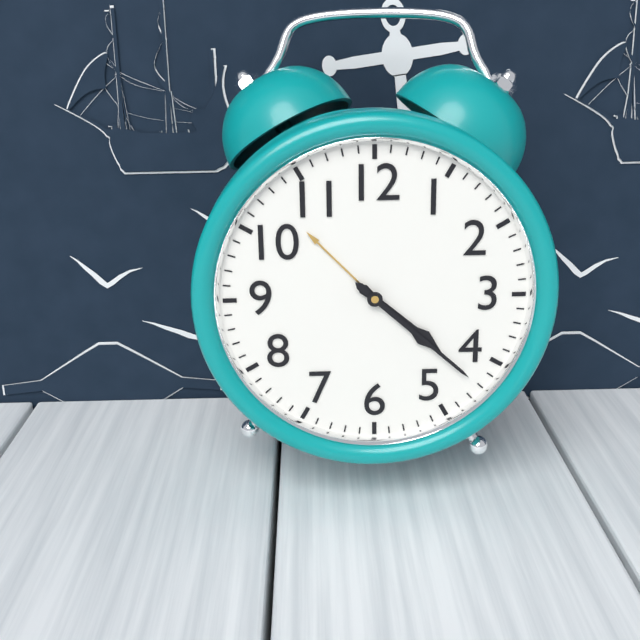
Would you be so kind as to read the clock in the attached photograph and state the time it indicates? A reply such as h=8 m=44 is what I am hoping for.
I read h=4 m=22
